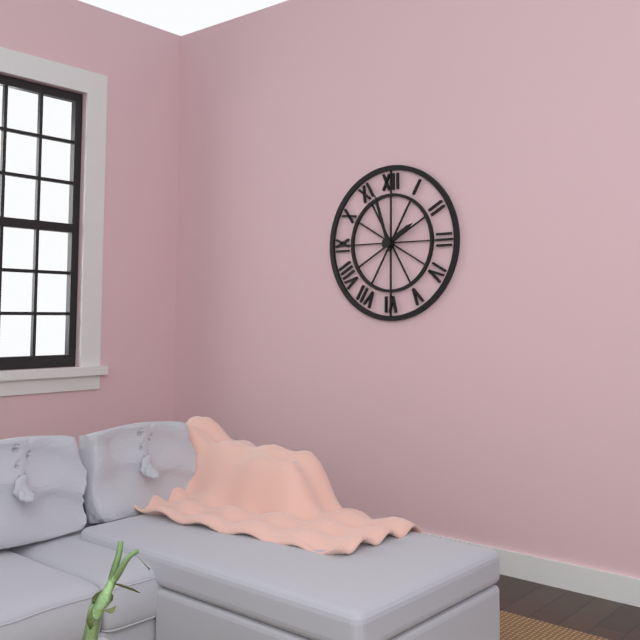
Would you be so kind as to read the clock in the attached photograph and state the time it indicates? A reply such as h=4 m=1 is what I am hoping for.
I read h=1 m=57
